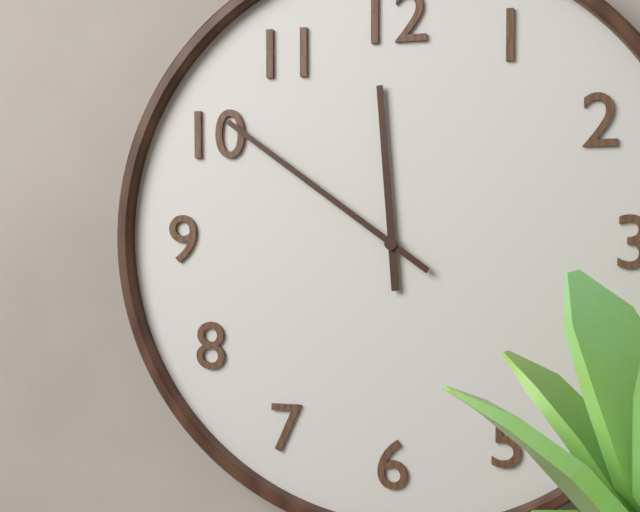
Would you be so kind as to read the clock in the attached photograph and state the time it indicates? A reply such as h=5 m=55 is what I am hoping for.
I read h=11 m=51
